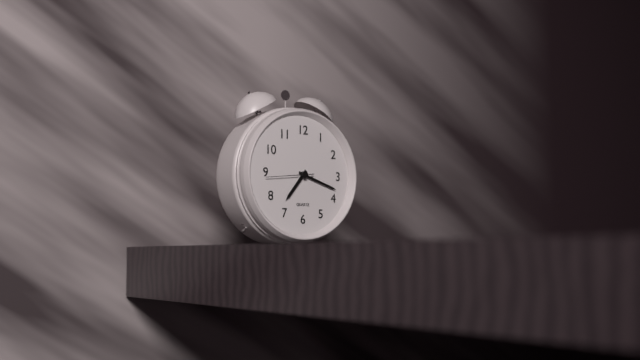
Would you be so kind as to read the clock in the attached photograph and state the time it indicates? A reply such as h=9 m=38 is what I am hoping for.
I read h=7 m=18
